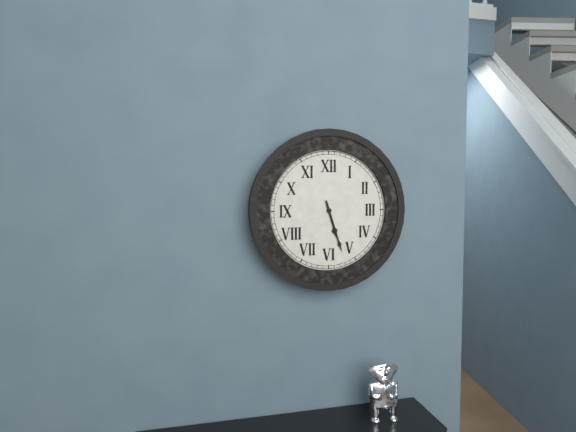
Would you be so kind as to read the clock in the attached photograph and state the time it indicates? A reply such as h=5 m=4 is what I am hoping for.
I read h=5 m=27
